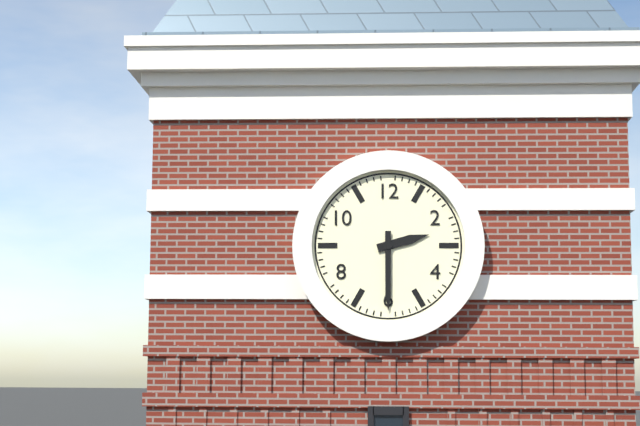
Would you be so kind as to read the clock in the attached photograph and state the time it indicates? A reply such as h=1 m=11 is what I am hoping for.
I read h=2 m=30
